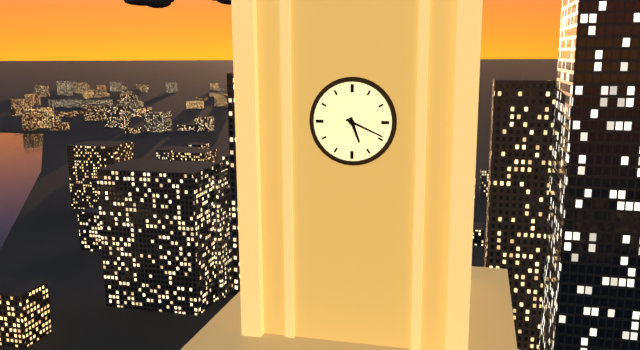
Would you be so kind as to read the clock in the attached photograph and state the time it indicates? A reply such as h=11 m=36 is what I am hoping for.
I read h=5 m=19
